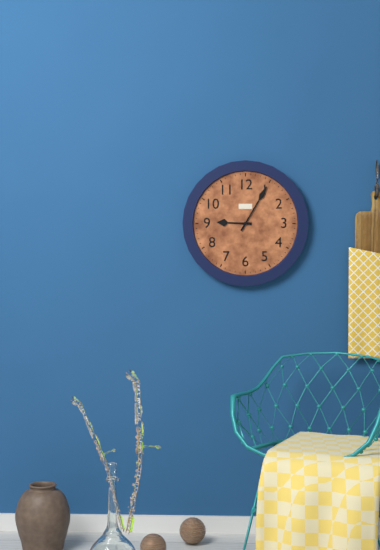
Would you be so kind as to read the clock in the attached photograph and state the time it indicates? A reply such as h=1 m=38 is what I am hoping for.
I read h=9 m=5
